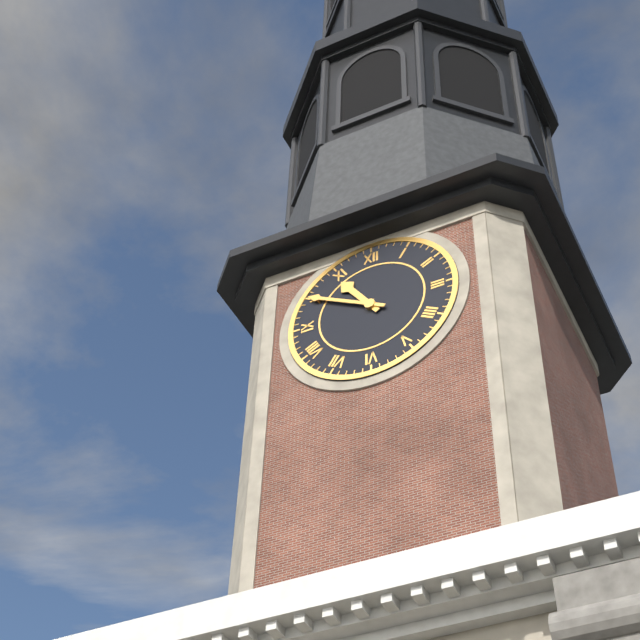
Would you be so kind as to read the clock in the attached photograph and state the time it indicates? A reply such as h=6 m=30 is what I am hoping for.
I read h=10 m=50
